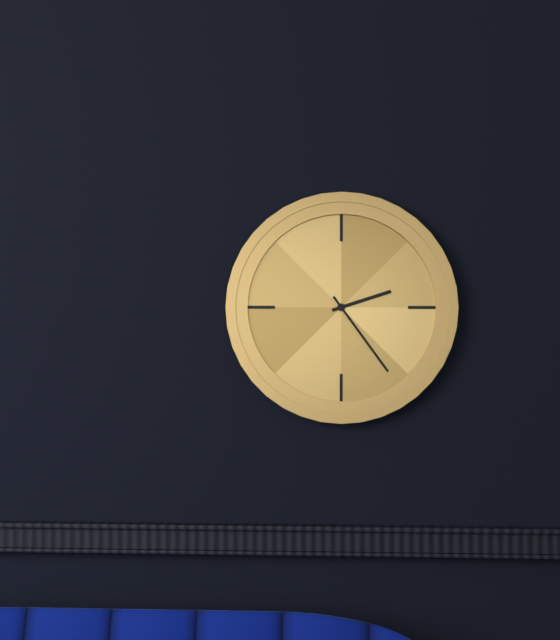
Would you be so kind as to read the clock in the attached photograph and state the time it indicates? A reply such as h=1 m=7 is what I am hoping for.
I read h=2 m=24
